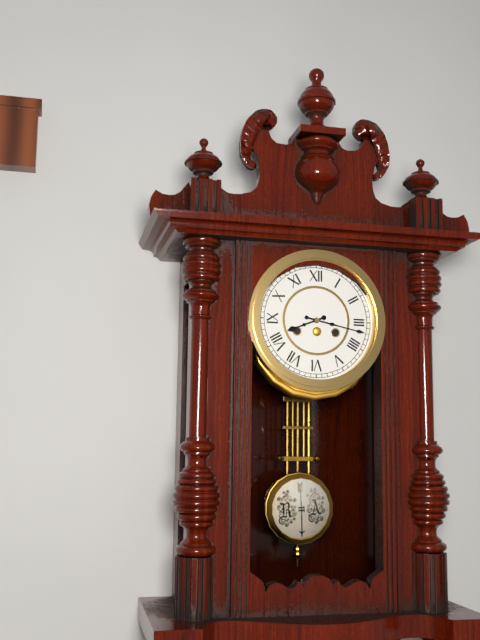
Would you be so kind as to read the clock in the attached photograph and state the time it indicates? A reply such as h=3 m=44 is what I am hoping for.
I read h=8 m=17
